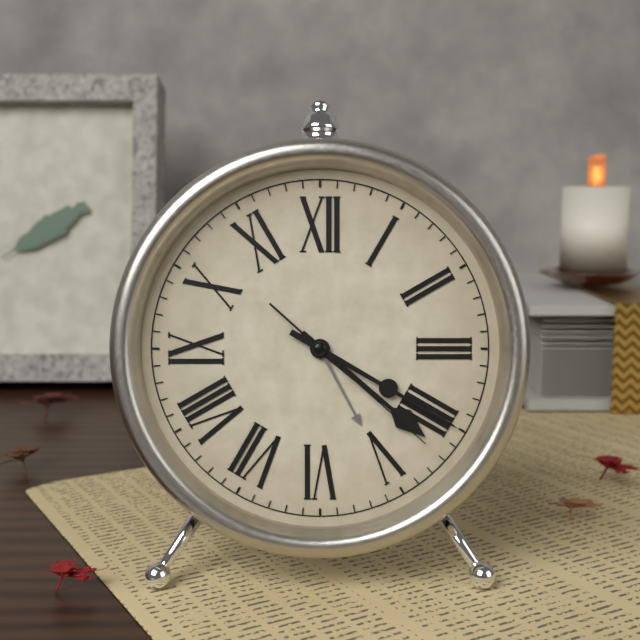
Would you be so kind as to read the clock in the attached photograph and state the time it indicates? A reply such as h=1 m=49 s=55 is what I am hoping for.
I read h=4 m=20 s=22
